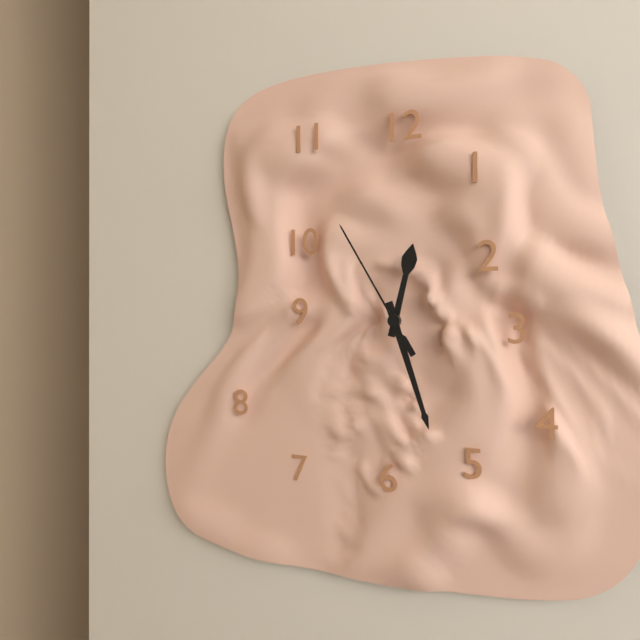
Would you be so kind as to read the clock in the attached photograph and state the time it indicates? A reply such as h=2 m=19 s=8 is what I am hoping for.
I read h=12 m=27 s=55
